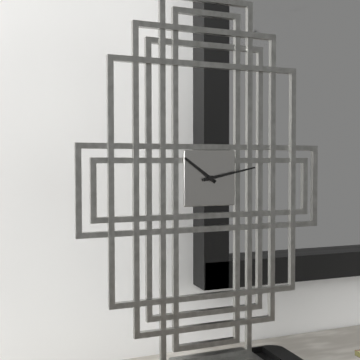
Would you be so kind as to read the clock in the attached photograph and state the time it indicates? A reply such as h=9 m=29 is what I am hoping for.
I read h=10 m=13
